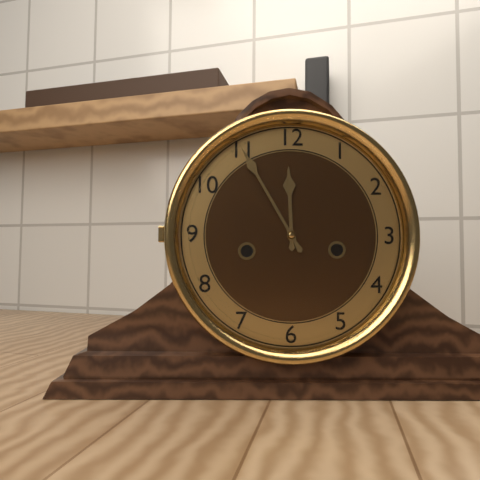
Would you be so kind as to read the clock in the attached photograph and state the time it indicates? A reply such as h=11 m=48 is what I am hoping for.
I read h=11 m=55
